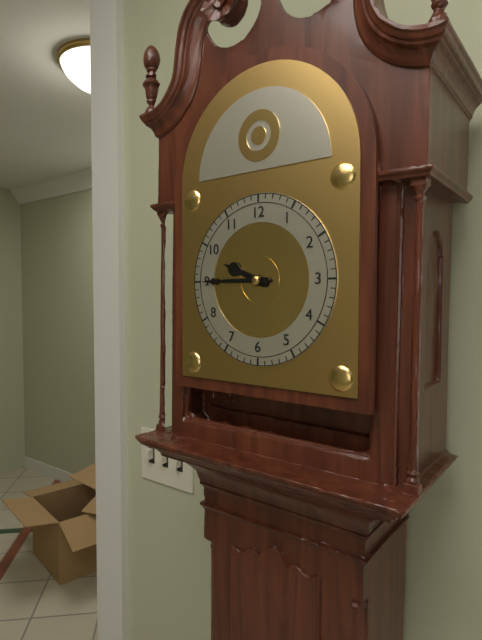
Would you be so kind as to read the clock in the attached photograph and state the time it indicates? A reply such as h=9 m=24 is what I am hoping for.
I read h=9 m=45
